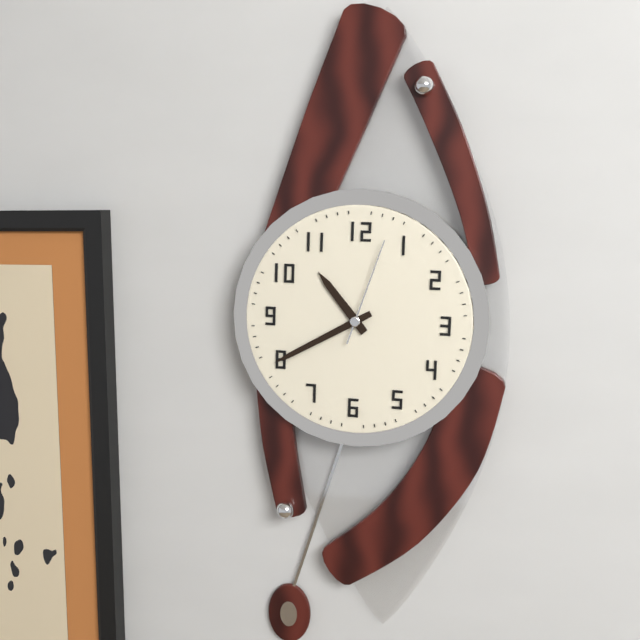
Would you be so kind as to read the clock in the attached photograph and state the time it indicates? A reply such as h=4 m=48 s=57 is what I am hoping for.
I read h=10 m=40 s=3
